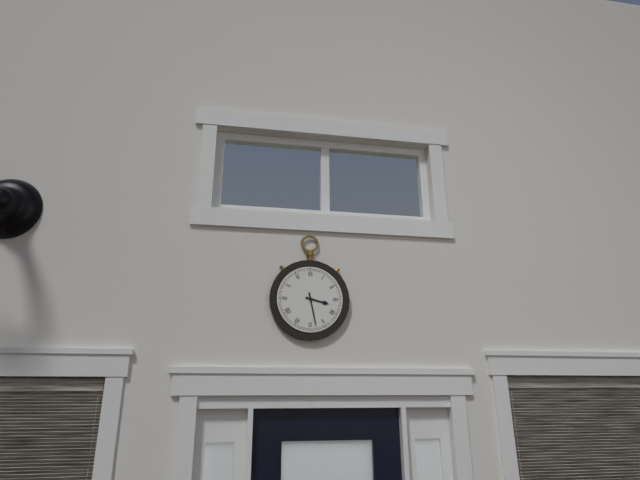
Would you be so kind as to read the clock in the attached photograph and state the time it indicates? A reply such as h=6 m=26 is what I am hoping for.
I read h=3 m=28
